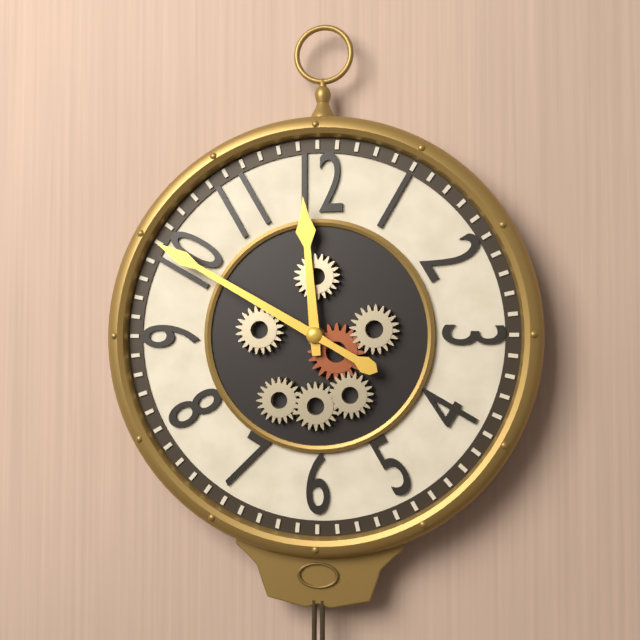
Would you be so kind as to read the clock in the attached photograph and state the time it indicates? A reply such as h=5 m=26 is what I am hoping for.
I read h=11 m=50
